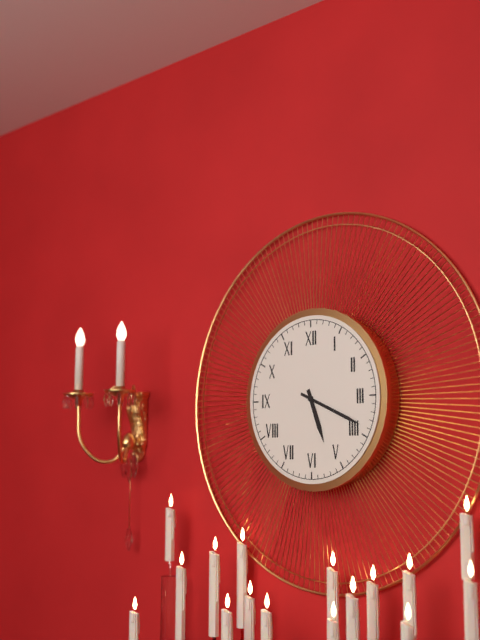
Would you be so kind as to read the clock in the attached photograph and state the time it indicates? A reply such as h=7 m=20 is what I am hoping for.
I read h=5 m=19
